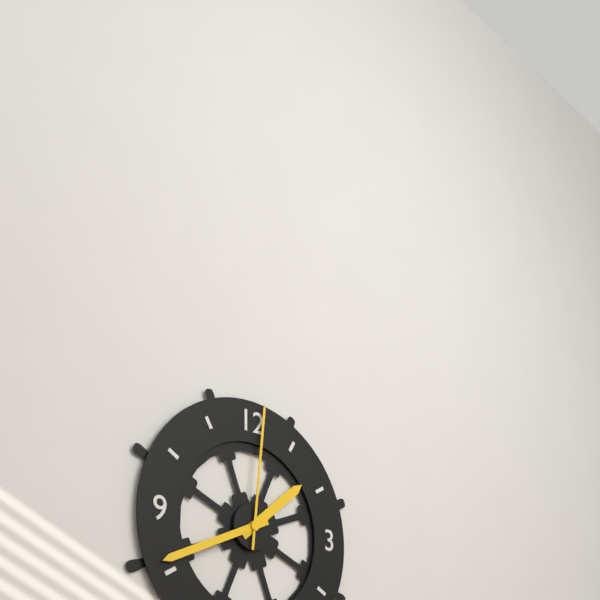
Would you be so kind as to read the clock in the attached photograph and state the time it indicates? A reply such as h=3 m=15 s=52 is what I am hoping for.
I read h=1 m=41 s=1
